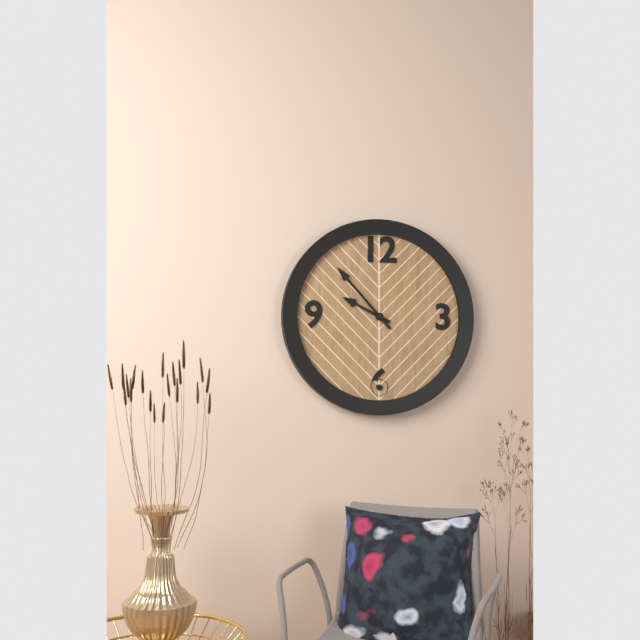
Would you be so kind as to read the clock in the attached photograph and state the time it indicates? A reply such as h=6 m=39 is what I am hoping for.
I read h=9 m=53
